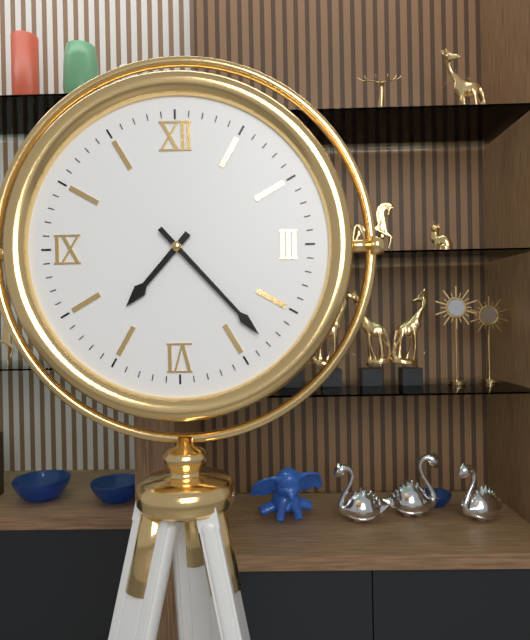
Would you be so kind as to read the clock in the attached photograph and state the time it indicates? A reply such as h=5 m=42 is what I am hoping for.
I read h=7 m=23
